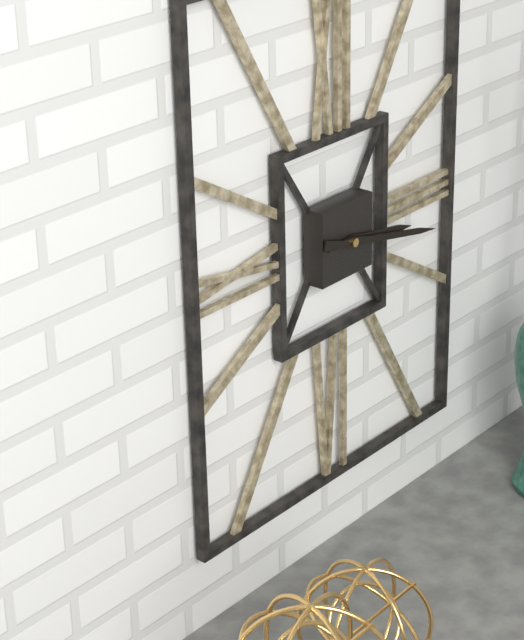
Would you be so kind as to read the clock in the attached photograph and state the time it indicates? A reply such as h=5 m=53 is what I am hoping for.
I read h=3 m=17
